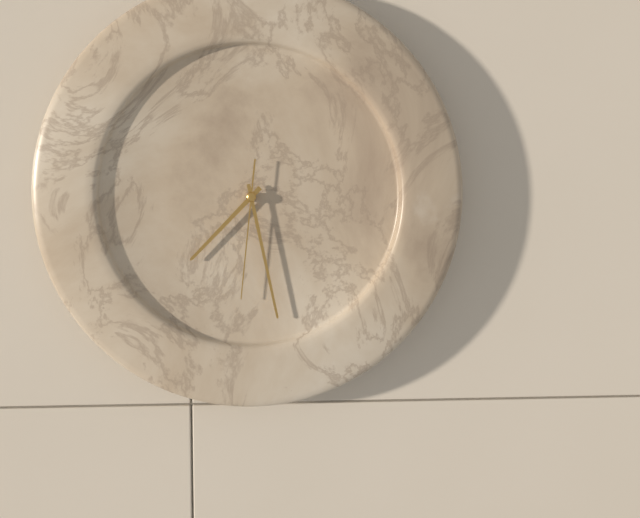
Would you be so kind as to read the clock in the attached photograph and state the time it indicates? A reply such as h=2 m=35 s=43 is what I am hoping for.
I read h=7 m=28 s=31
